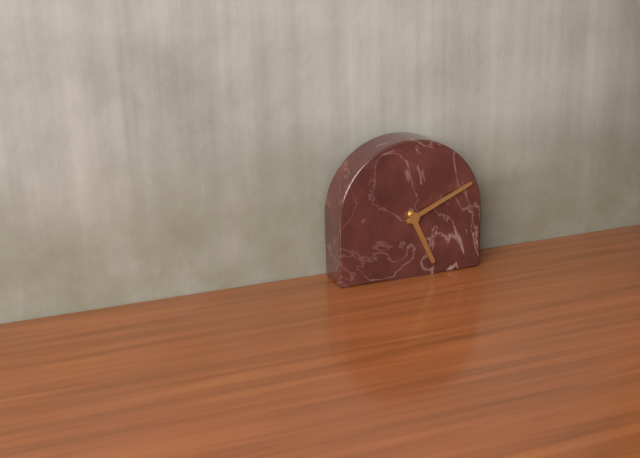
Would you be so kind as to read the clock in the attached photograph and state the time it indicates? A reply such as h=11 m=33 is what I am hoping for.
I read h=5 m=11
